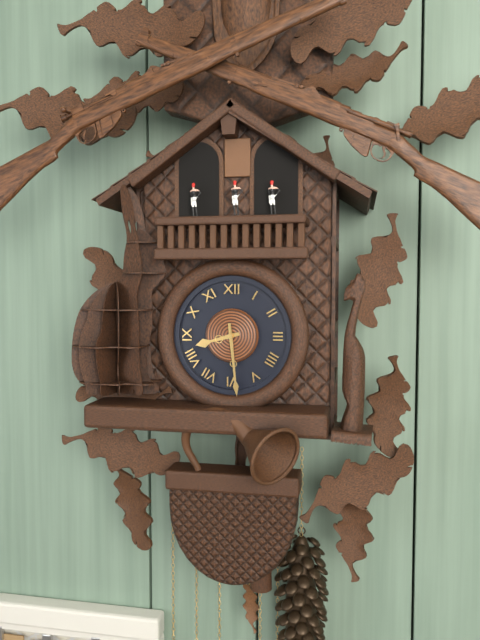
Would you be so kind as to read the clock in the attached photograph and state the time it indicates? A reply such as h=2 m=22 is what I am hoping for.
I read h=8 m=29
